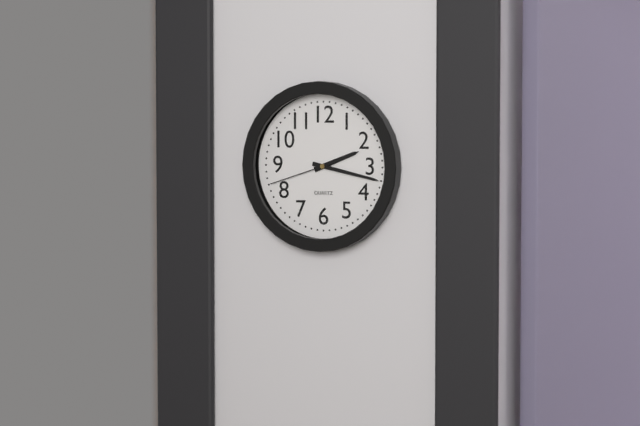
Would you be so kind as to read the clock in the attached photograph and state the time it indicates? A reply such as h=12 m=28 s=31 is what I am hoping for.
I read h=2 m=17 s=42
